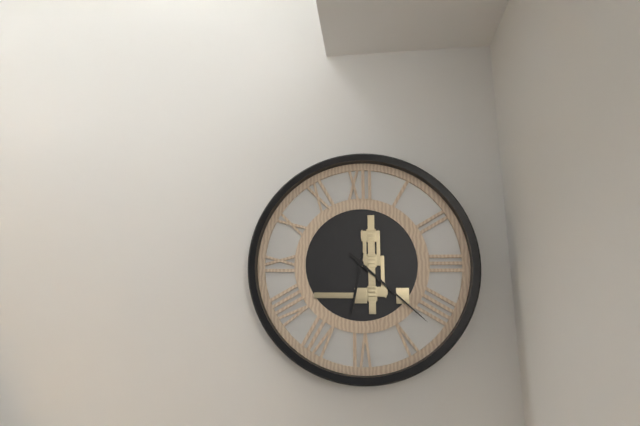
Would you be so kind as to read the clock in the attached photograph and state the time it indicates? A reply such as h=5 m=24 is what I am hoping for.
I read h=6 m=22
